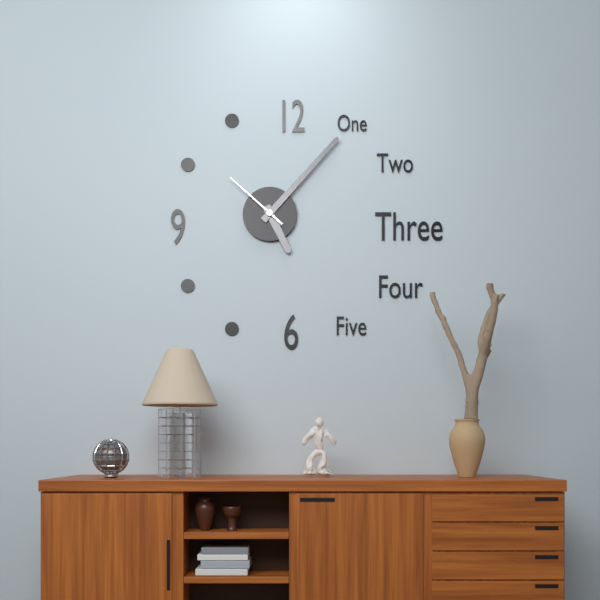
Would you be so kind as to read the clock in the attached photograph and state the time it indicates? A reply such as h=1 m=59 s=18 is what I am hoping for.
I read h=5 m=7 s=52
